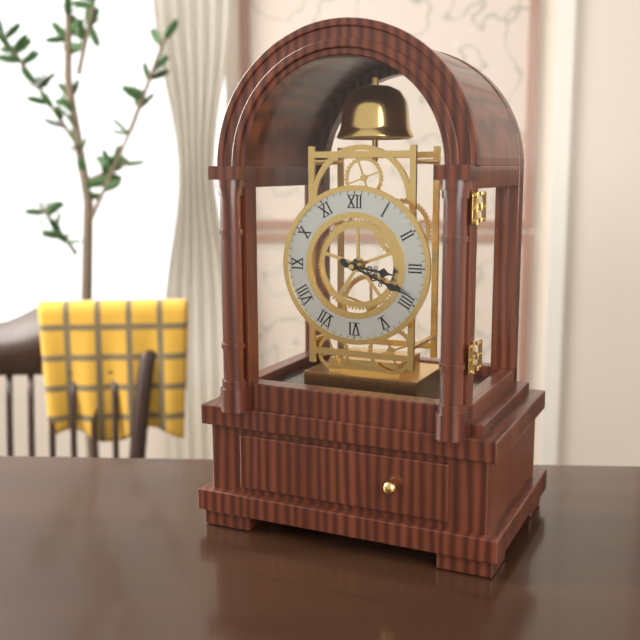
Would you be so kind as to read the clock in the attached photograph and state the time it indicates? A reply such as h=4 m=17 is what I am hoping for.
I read h=3 m=19
